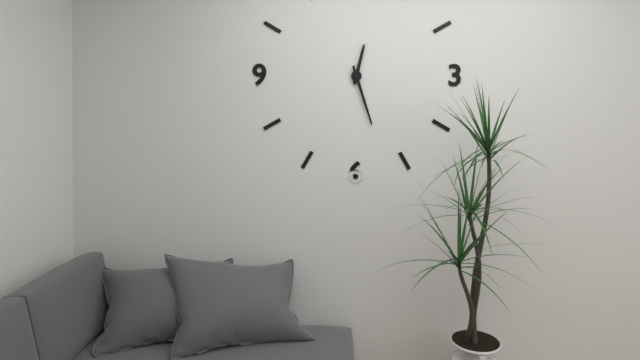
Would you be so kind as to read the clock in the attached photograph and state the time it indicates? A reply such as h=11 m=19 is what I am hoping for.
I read h=12 m=27
